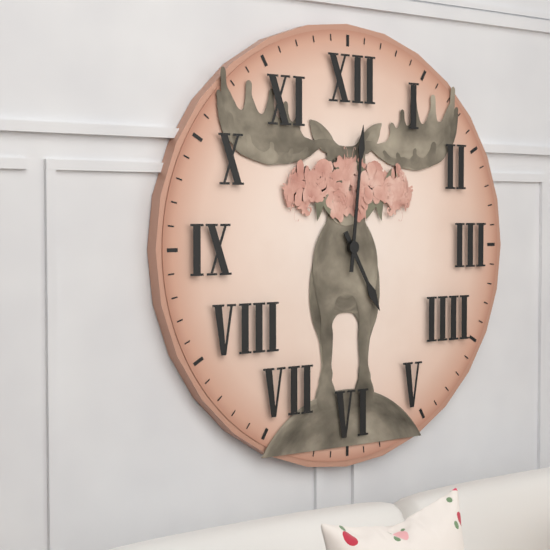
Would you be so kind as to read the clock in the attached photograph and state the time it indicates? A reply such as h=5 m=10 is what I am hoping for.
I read h=5 m=1
